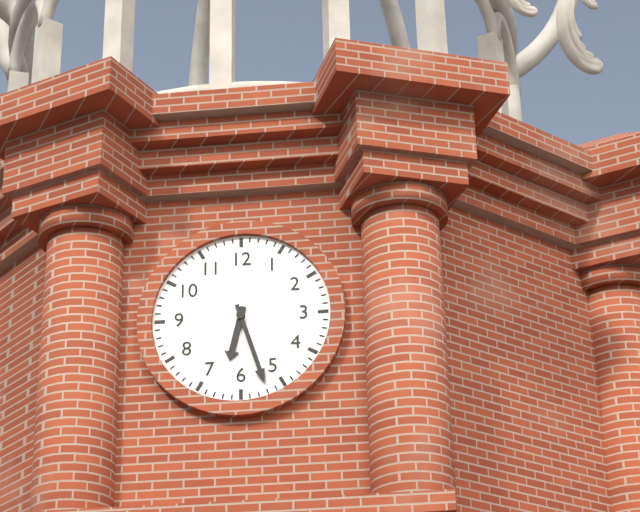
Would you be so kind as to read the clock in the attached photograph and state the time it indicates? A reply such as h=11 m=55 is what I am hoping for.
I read h=6 m=27
